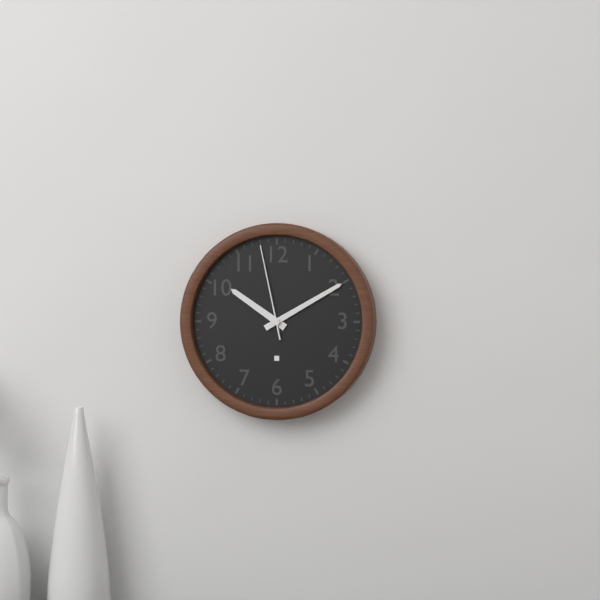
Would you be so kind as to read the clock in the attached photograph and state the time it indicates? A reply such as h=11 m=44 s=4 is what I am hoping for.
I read h=10 m=10 s=58
